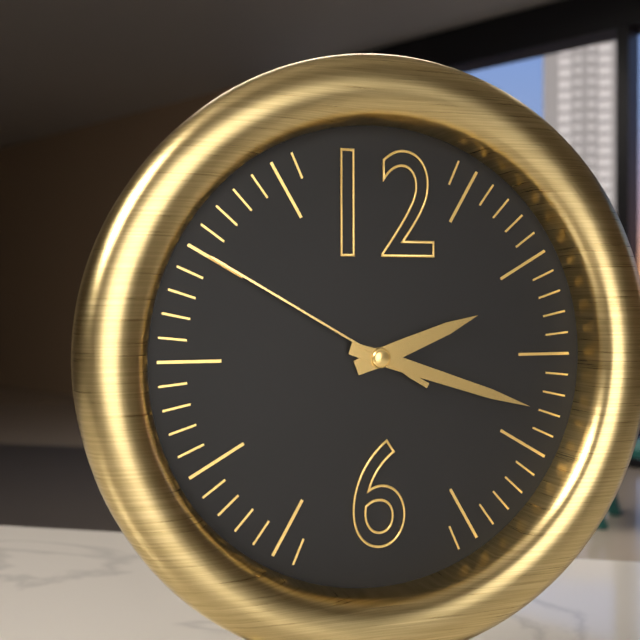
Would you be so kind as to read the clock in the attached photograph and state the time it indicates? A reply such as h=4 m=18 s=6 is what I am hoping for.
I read h=2 m=18 s=50
